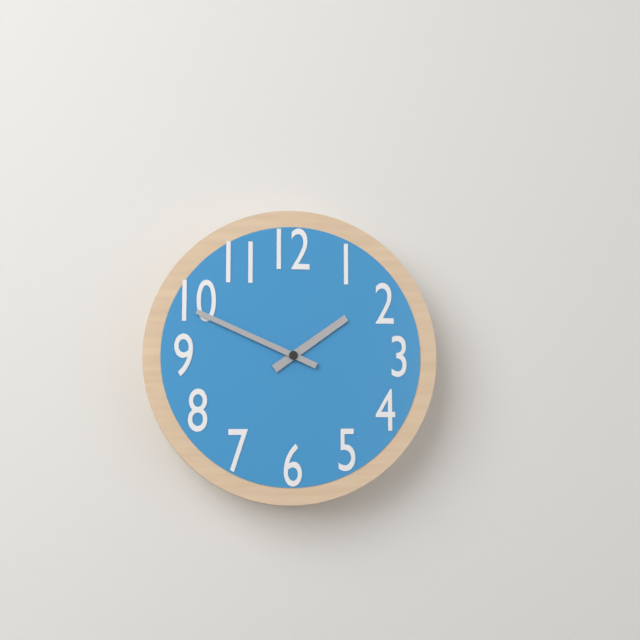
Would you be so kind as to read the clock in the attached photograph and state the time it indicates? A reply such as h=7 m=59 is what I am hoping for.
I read h=1 m=49
